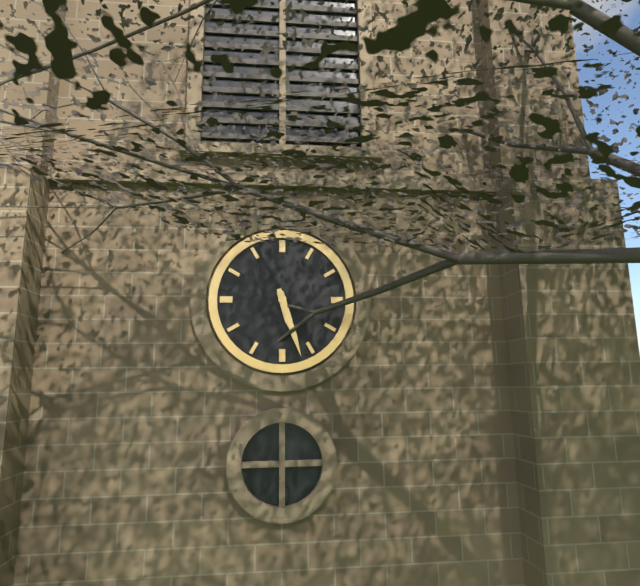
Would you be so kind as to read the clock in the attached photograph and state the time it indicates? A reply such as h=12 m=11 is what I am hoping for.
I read h=5 m=27
